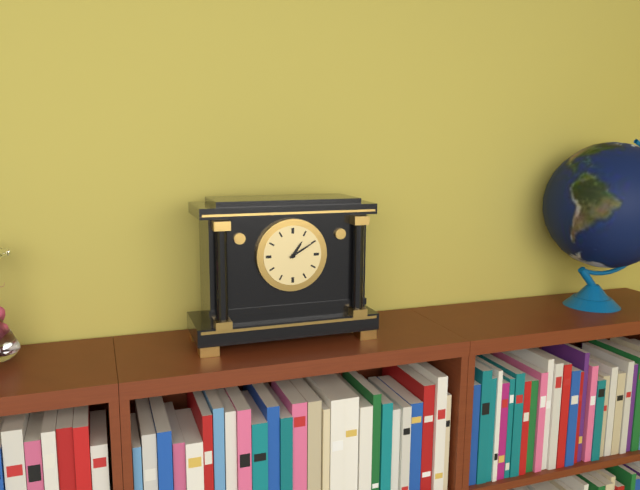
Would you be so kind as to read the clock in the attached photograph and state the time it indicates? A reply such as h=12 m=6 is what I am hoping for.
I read h=1 m=10
